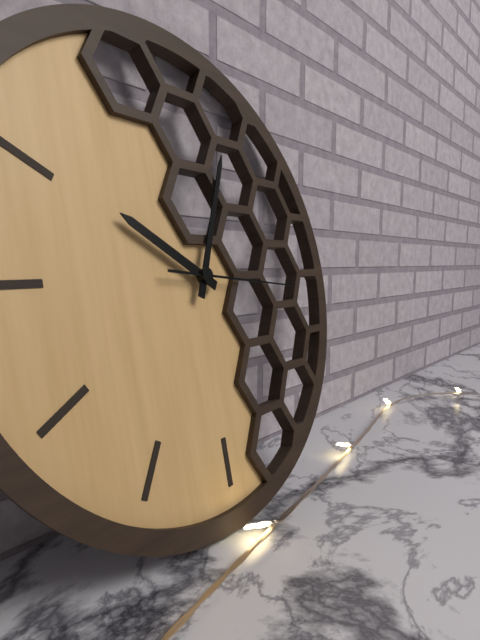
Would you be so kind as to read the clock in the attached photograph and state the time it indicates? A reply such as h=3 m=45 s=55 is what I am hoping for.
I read h=10 m=4 s=16
